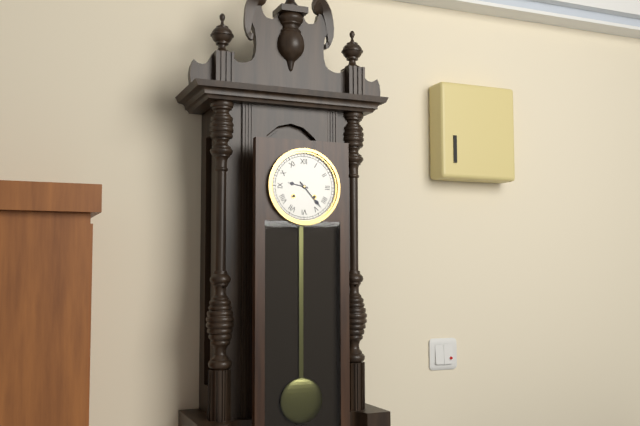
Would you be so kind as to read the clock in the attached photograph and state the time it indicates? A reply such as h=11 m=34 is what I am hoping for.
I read h=9 m=23
